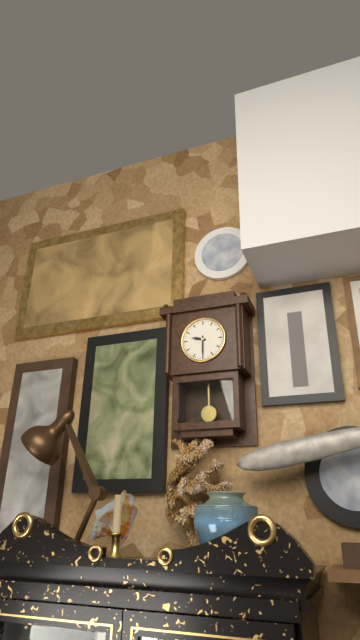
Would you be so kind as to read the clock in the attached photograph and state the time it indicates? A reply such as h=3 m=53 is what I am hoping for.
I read h=9 m=30
